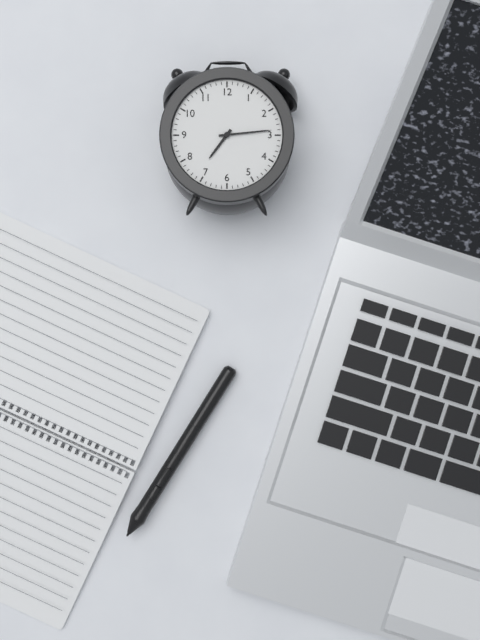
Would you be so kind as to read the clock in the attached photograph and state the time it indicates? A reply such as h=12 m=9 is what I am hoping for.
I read h=7 m=14
